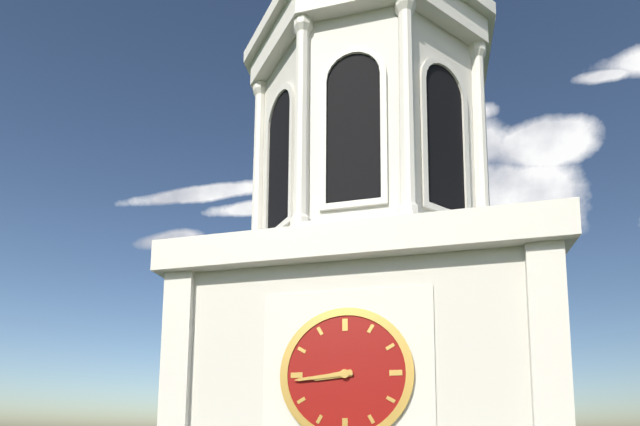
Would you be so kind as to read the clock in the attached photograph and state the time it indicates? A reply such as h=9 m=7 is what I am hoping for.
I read h=8 m=44
